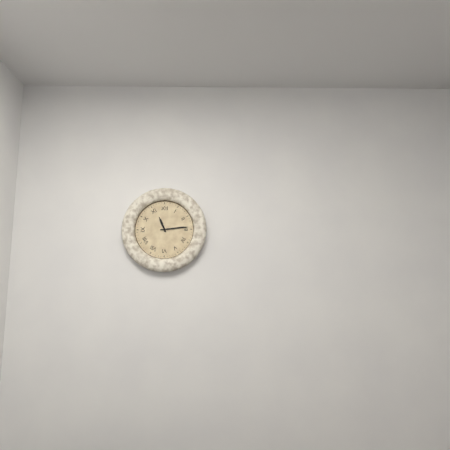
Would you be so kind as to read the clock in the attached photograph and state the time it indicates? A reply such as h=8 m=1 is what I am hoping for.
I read h=11 m=14
